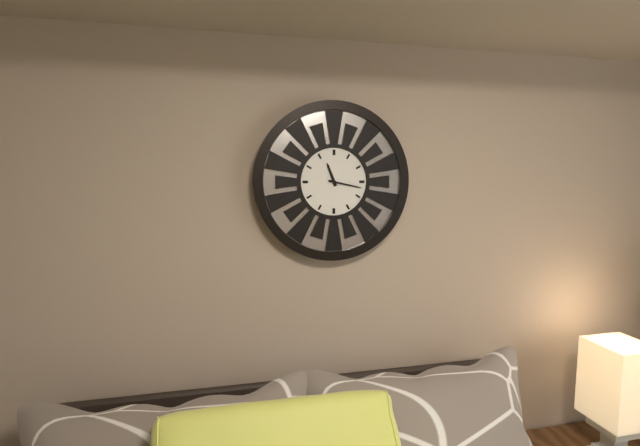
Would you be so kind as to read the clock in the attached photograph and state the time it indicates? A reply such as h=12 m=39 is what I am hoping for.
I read h=11 m=17
